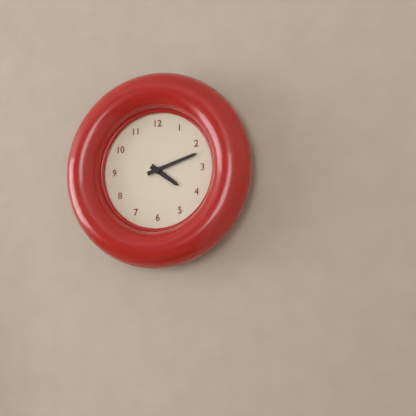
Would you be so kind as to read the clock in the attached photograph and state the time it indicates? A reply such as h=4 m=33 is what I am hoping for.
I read h=4 m=12
